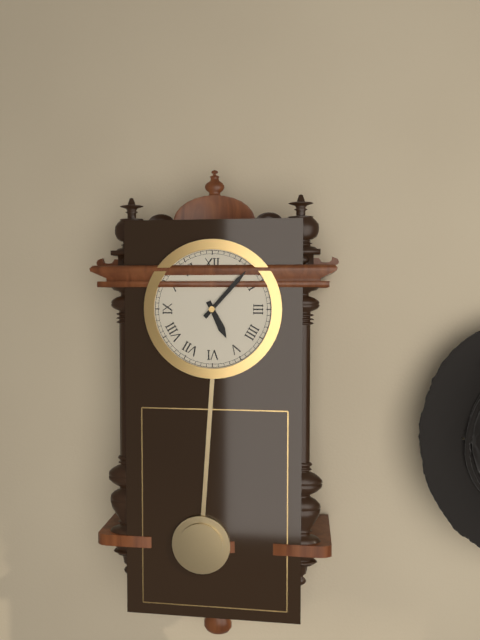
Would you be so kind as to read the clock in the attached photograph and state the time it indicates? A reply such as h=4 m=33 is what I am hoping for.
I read h=5 m=7
